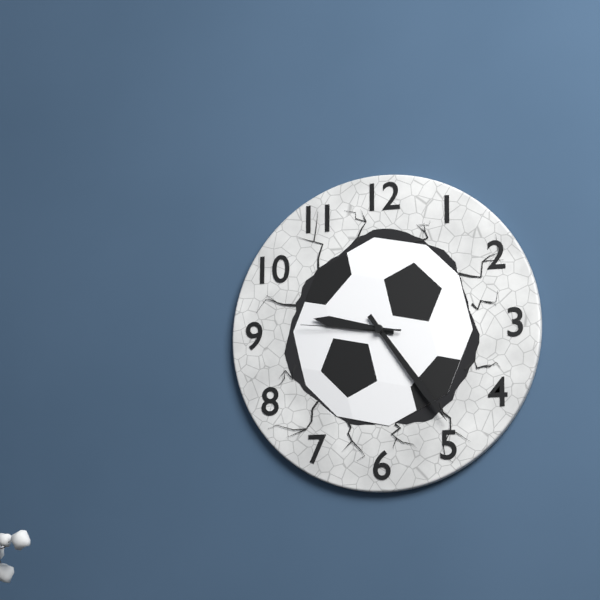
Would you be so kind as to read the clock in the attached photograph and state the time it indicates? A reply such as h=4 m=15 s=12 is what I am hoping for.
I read h=9 m=24 s=46
